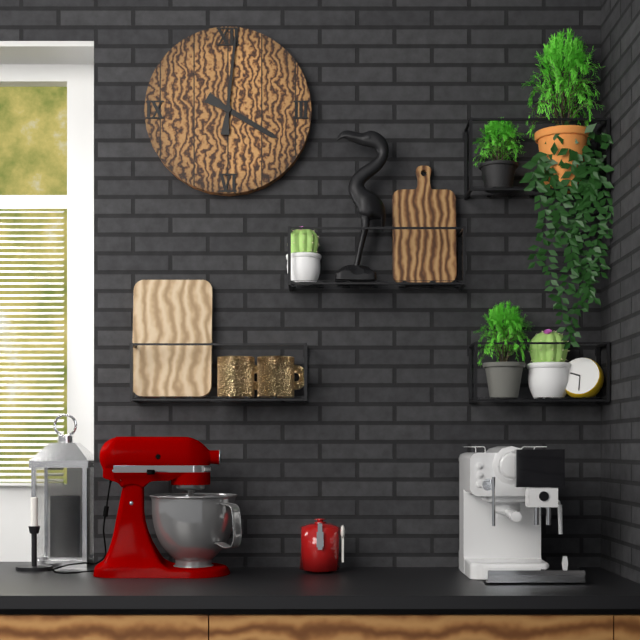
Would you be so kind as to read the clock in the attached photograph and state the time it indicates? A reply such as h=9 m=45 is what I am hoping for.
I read h=4 m=1
